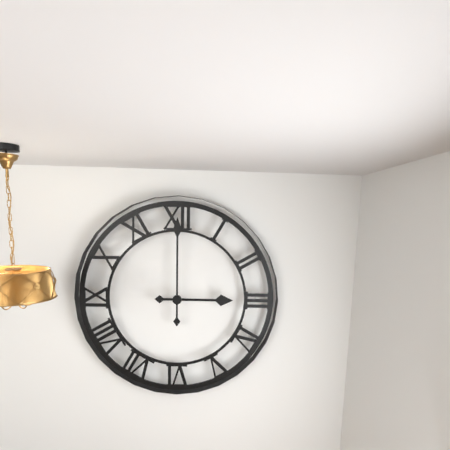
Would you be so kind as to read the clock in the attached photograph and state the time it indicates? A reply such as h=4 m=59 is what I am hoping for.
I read h=3 m=0
